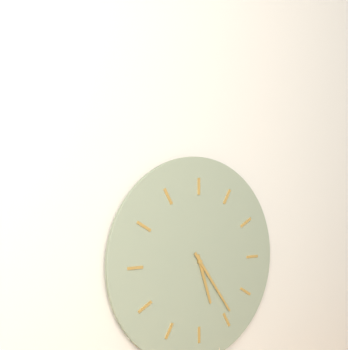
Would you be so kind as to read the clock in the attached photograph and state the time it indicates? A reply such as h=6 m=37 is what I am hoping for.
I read h=5 m=24
